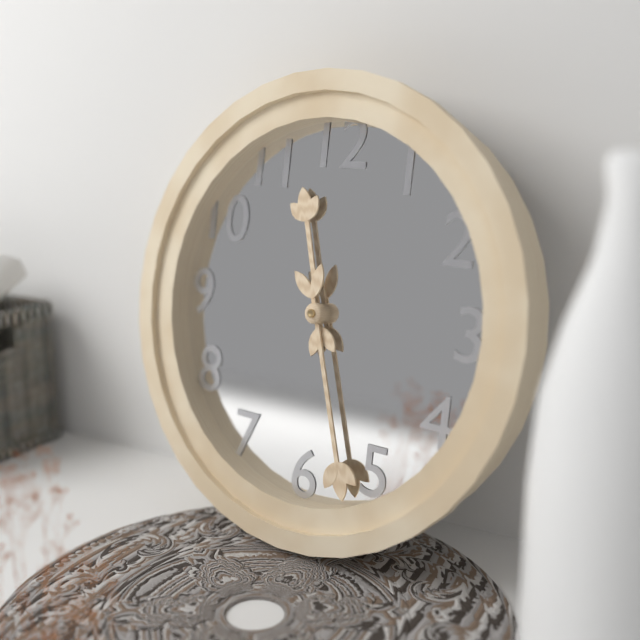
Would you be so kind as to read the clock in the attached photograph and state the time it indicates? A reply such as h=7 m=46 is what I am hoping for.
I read h=11 m=27
